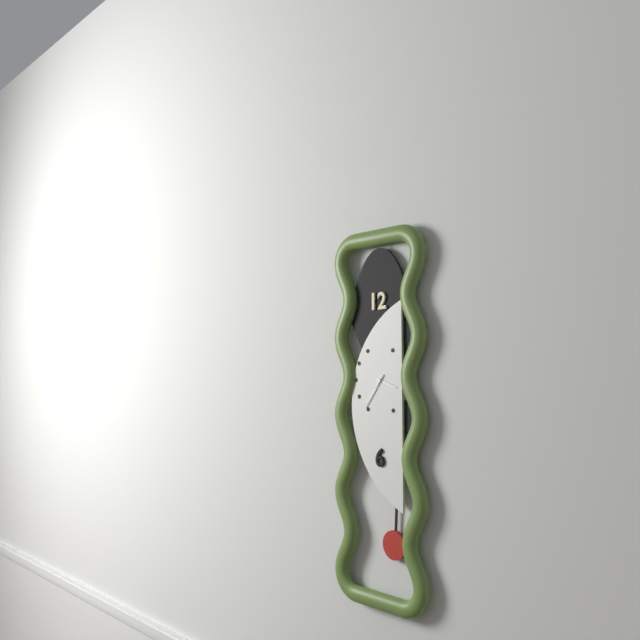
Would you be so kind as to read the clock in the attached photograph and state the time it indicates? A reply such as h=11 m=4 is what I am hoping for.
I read h=3 m=36
